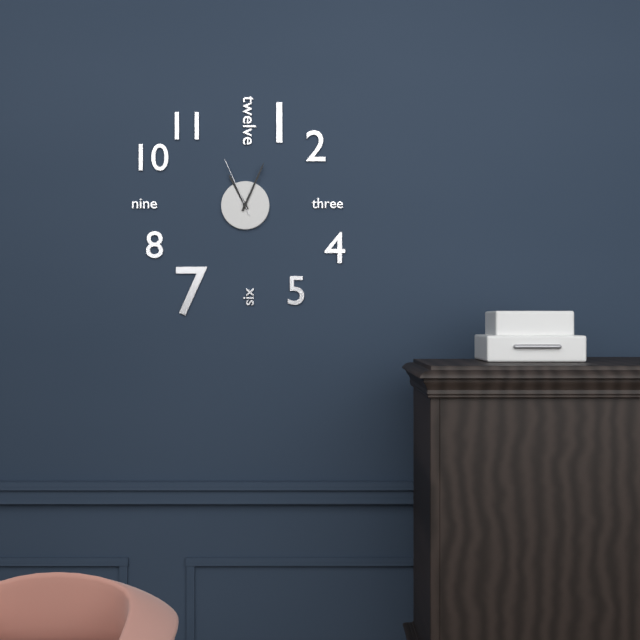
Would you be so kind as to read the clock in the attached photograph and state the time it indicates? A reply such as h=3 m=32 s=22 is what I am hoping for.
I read h=11 m=4 s=56
